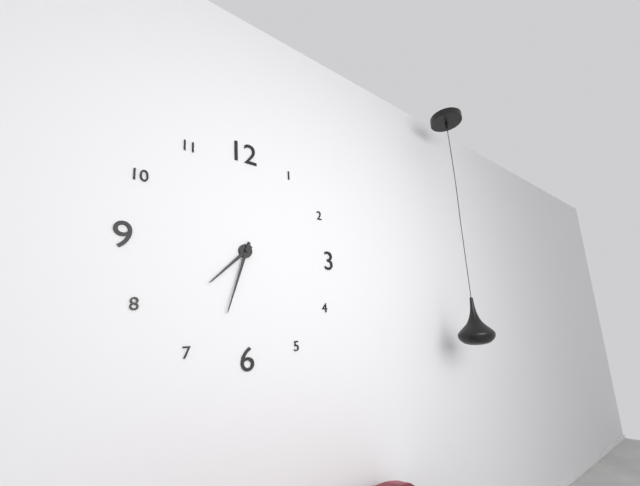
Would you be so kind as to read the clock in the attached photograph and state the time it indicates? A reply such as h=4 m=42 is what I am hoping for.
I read h=7 m=33
